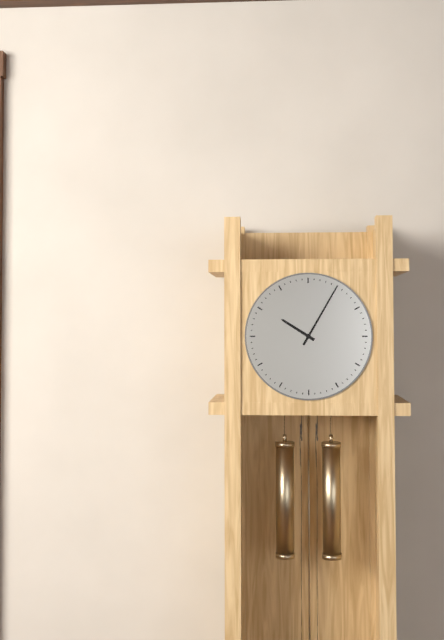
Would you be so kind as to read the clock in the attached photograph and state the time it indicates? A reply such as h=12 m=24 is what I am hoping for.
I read h=10 m=5
